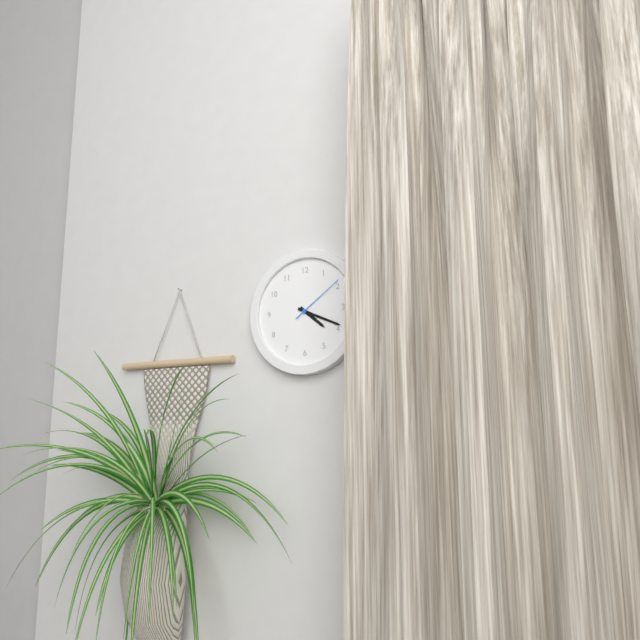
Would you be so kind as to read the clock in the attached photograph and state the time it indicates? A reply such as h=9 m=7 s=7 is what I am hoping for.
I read h=4 m=19 s=9
